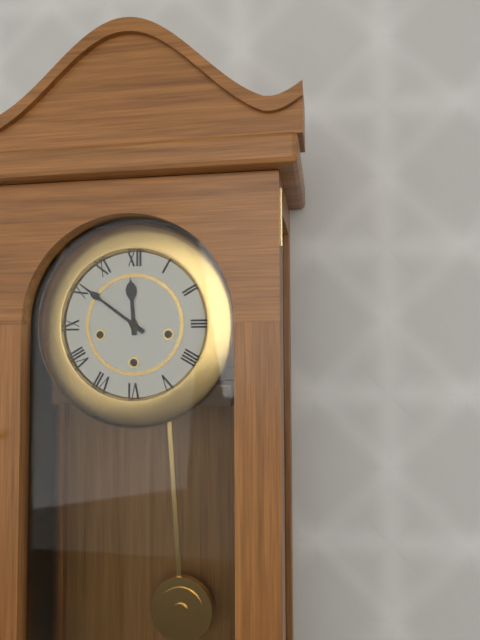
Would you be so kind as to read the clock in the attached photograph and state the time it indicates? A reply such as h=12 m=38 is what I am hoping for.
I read h=11 m=51
